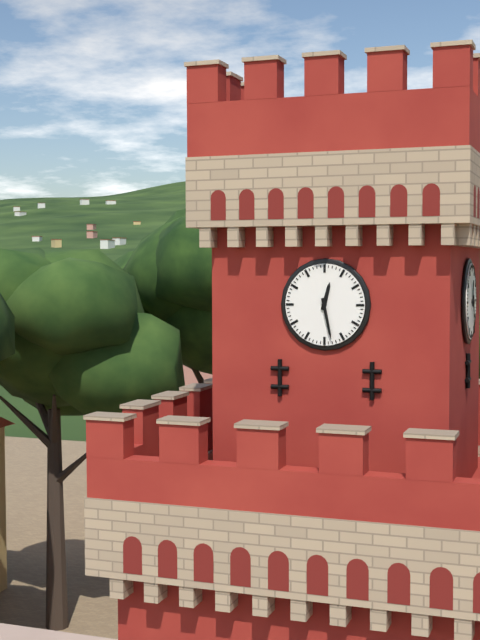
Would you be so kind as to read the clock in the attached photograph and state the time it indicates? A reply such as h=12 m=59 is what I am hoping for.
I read h=12 m=28
